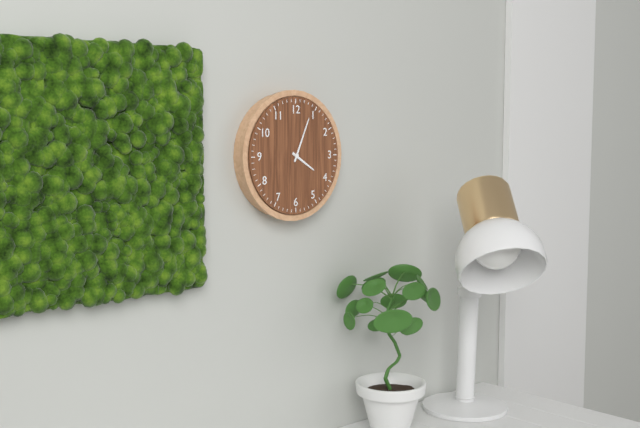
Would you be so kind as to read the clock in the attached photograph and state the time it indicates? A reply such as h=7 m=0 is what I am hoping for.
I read h=4 m=4
